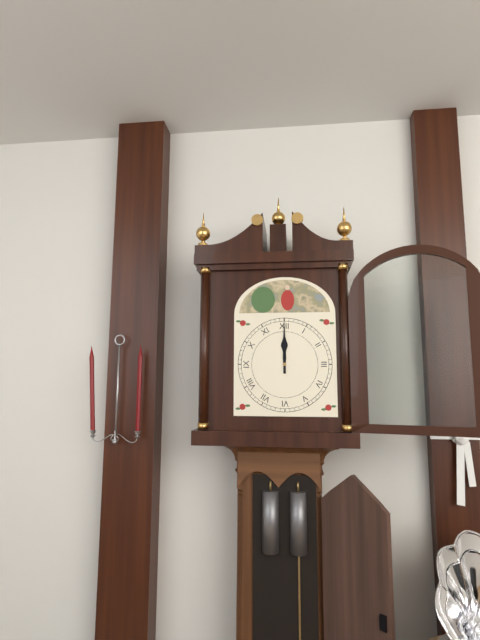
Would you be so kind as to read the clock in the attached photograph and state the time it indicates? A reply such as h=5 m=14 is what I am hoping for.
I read h=12 m=0
